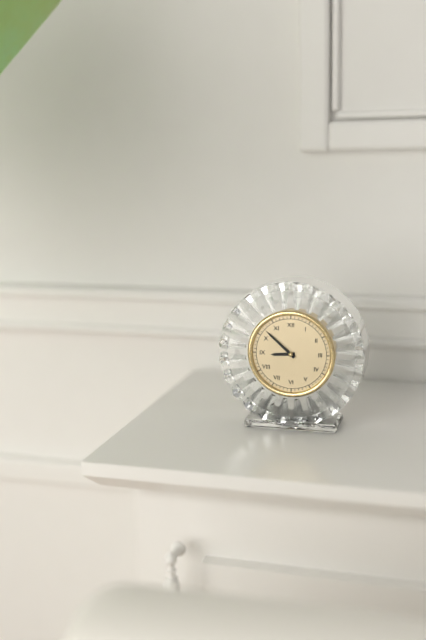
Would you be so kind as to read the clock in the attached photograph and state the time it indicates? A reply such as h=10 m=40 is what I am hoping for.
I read h=8 m=52
